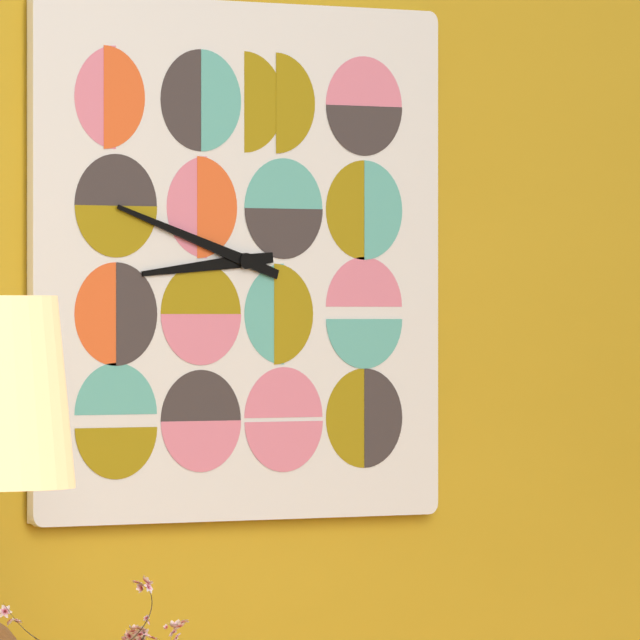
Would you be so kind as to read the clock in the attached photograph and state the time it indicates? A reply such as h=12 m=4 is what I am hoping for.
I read h=8 m=48
